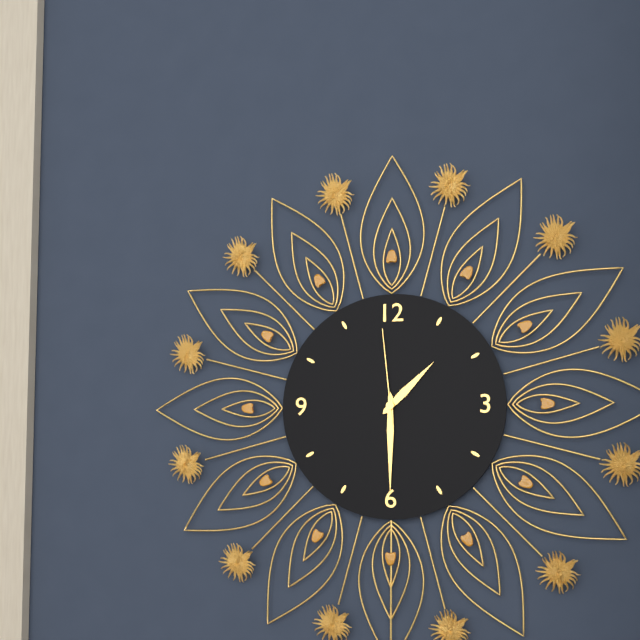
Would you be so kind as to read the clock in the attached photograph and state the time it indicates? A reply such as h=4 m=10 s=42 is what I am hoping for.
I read h=1 m=30 s=59
